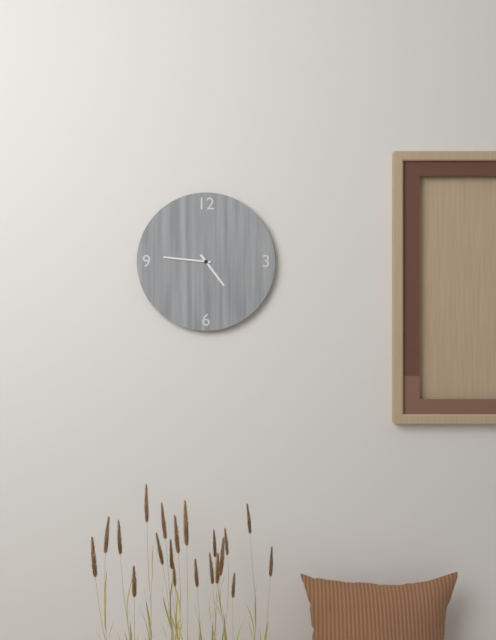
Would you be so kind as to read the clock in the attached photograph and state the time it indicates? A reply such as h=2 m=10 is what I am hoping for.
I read h=4 m=46
